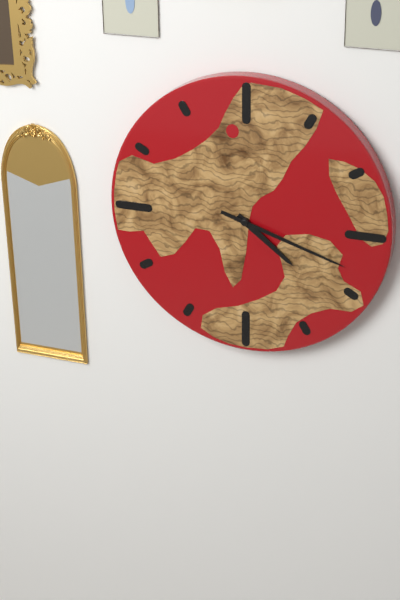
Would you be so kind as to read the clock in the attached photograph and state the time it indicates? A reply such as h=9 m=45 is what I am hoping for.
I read h=4 m=18
